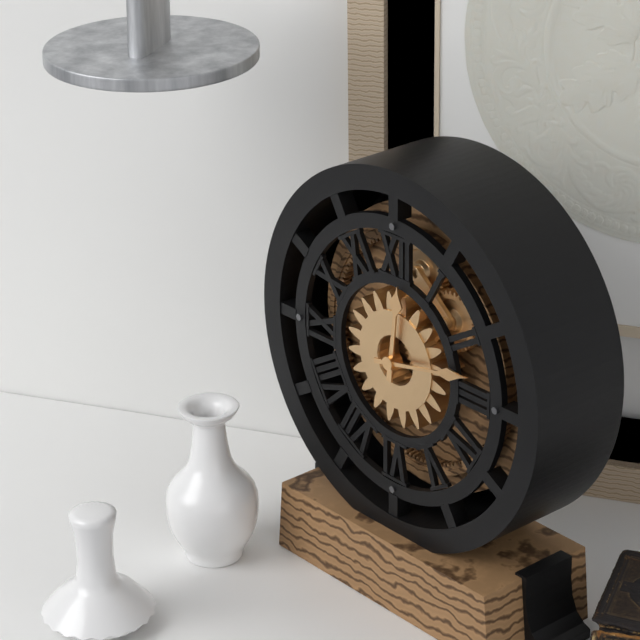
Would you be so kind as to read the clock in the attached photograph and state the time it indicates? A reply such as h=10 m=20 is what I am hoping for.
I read h=12 m=13
